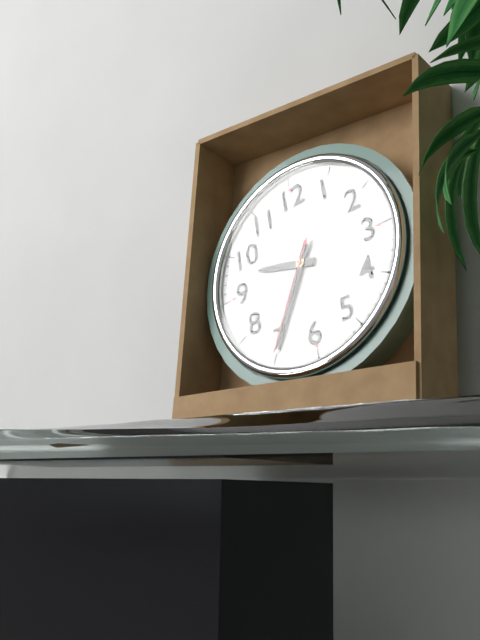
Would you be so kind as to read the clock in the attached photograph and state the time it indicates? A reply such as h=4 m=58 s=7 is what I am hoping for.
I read h=9 m=35 s=35
